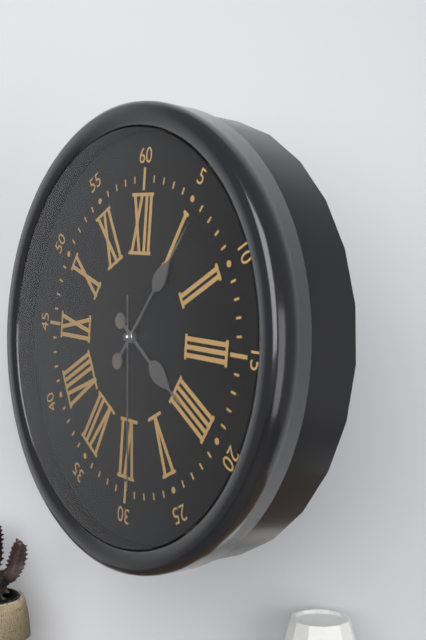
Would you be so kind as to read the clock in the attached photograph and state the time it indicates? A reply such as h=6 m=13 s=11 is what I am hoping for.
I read h=4 m=6 s=29
